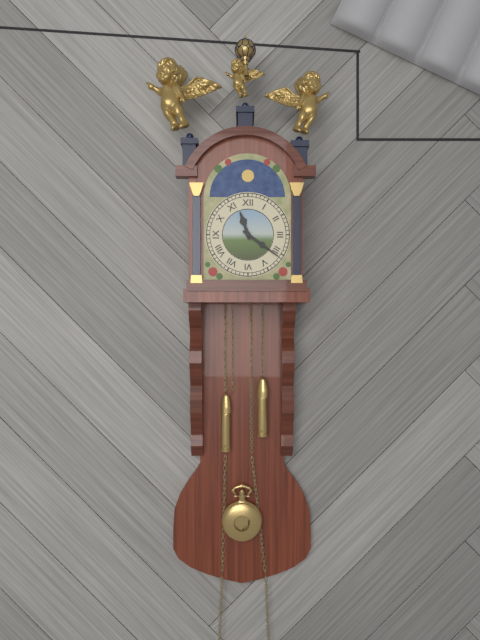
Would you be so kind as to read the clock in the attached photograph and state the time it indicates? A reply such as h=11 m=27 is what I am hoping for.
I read h=11 m=21
